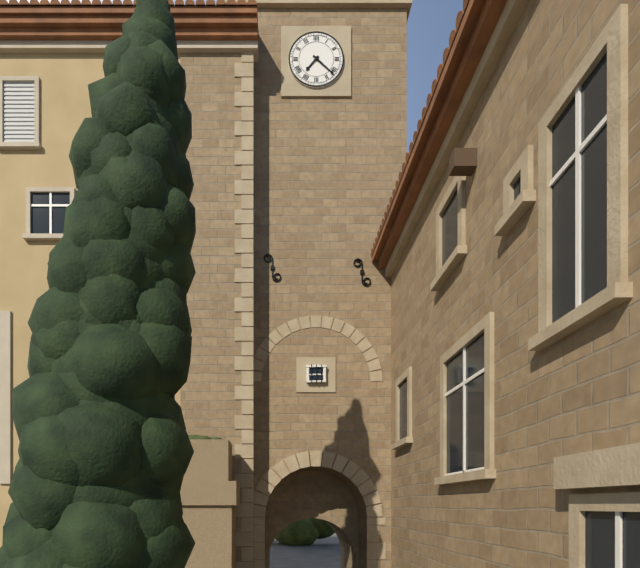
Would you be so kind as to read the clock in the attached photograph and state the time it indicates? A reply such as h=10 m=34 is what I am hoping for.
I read h=7 m=22
